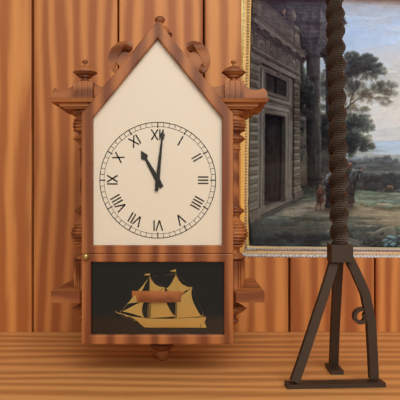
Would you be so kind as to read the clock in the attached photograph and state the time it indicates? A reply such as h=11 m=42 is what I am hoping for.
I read h=11 m=1
